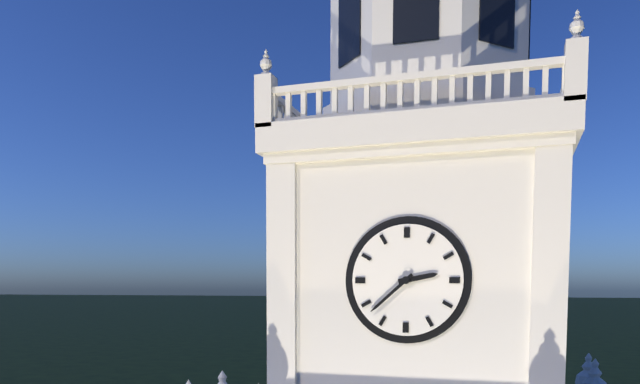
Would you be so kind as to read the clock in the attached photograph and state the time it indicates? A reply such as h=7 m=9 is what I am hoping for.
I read h=2 m=38
